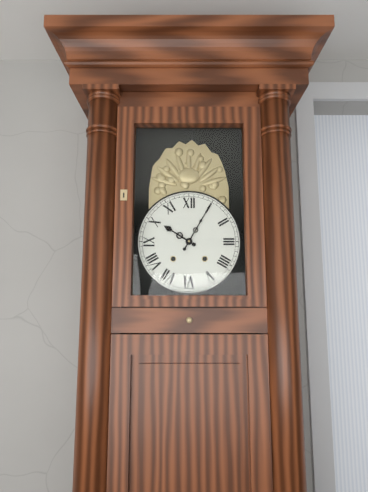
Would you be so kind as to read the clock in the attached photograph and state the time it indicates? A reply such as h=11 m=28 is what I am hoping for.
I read h=10 m=5
